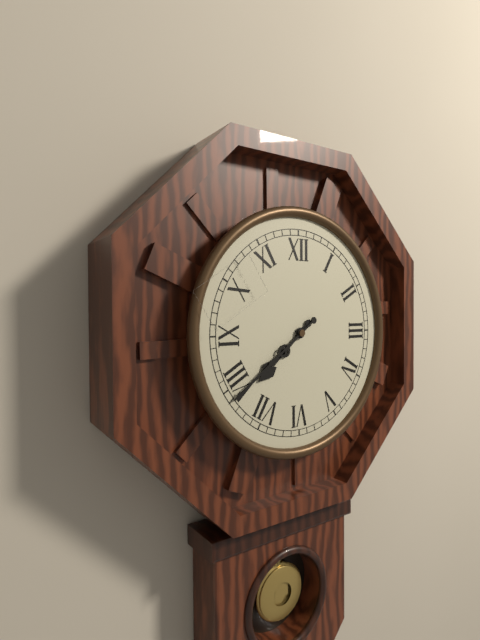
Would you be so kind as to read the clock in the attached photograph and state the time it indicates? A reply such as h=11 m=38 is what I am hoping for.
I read h=7 m=39
